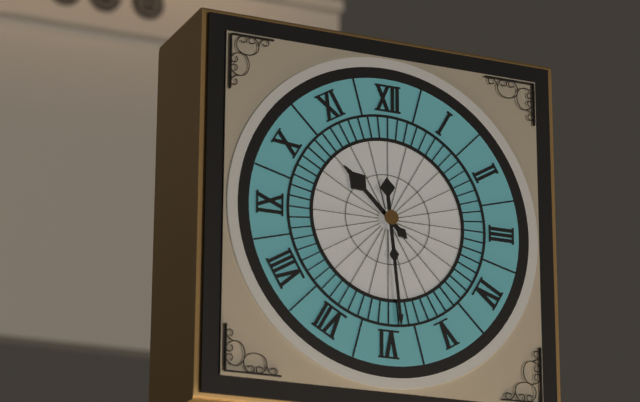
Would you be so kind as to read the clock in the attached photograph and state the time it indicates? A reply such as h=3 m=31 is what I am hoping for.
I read h=10 m=29
